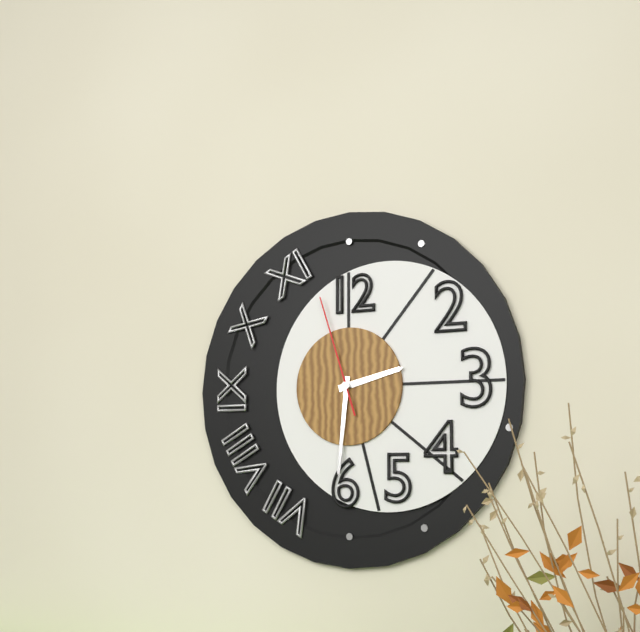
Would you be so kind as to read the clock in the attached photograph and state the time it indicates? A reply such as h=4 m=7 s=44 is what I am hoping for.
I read h=2 m=31 s=57
